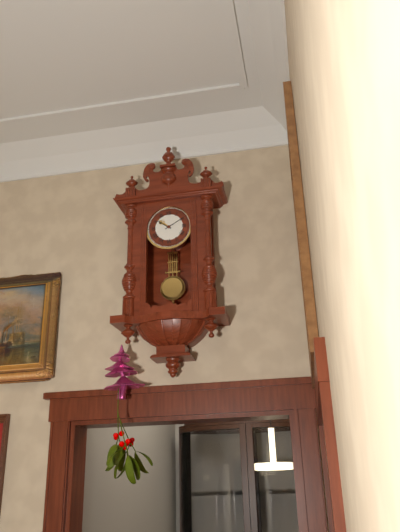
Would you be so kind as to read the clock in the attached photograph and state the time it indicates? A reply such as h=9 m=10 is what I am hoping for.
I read h=10 m=10
